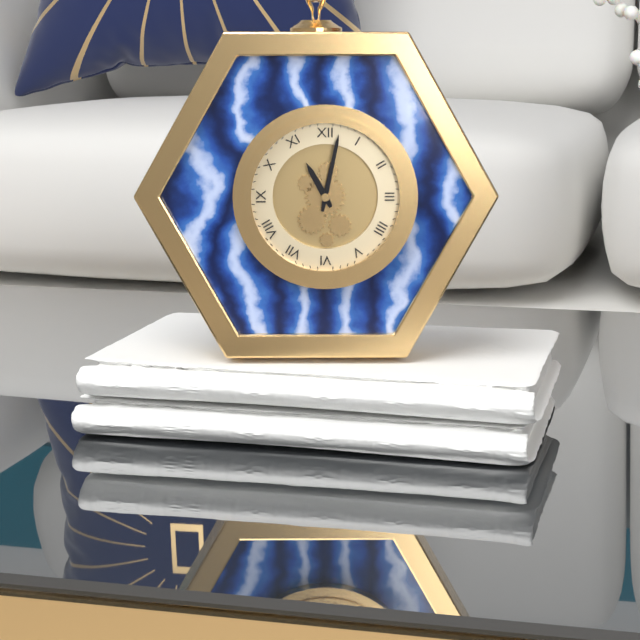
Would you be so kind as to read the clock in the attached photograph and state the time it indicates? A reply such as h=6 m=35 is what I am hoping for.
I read h=11 m=2
